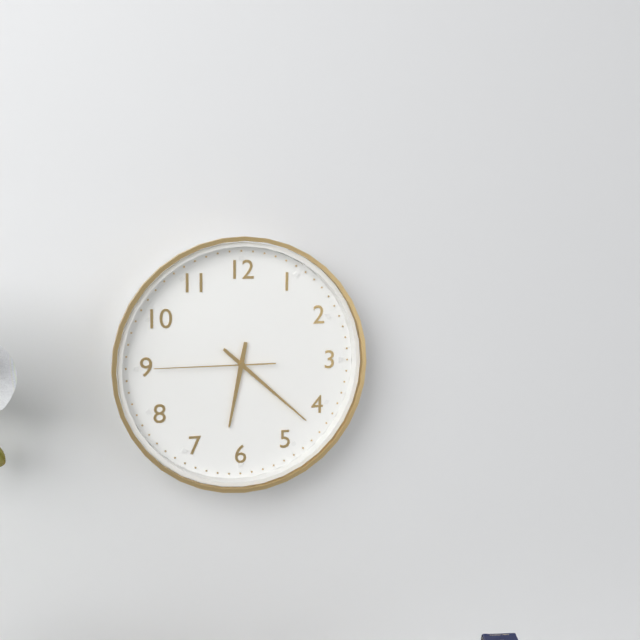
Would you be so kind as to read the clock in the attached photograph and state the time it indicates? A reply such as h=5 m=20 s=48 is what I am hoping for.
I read h=6 m=22 s=45
